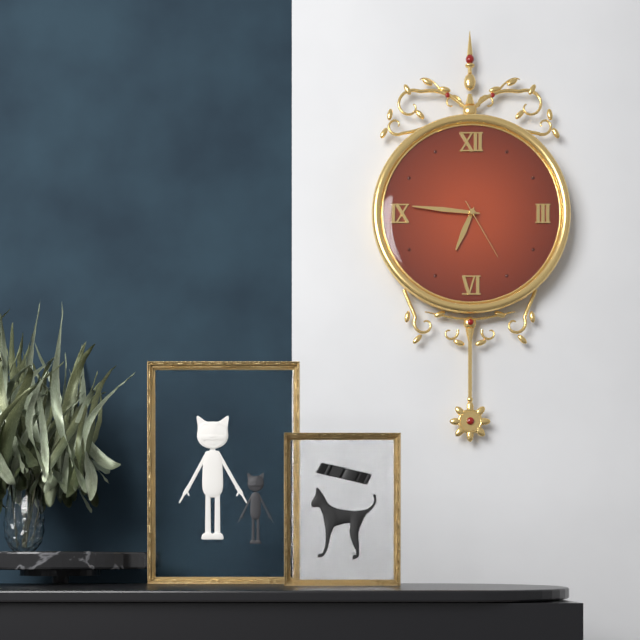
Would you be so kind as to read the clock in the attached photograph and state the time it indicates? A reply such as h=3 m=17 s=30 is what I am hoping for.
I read h=6 m=46 s=25
